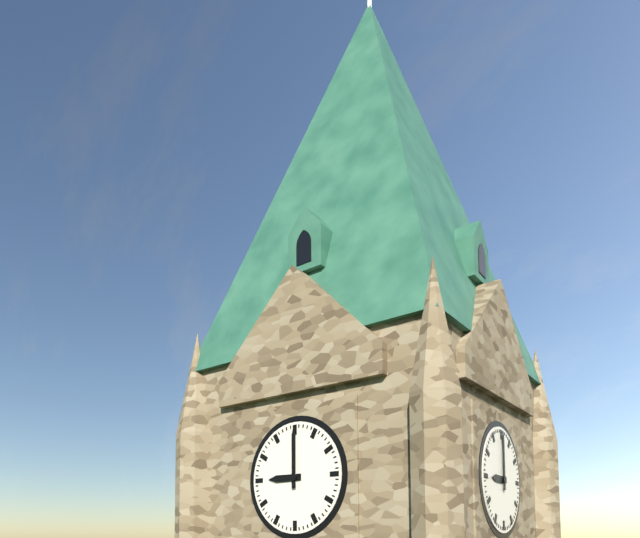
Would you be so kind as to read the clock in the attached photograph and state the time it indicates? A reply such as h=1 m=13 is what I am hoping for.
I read h=9 m=0
